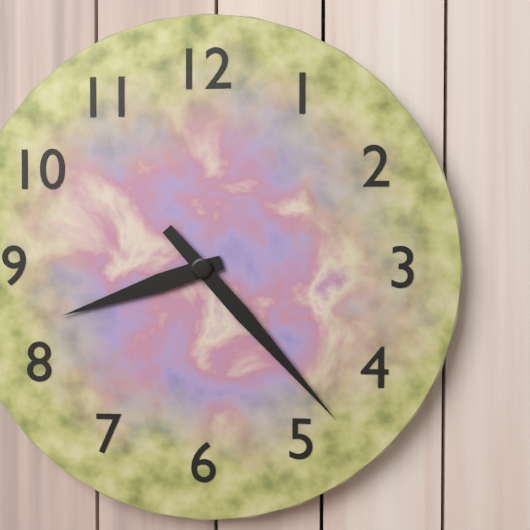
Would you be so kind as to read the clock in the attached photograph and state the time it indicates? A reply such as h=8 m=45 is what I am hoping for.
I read h=8 m=23
